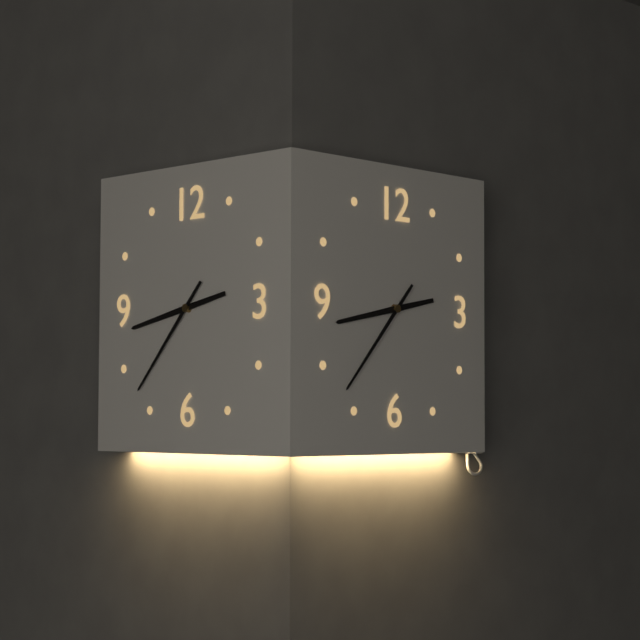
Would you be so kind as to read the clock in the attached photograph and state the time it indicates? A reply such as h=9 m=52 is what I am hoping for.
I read h=8 m=37
